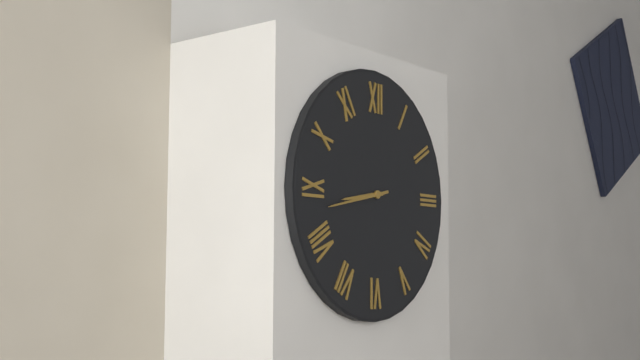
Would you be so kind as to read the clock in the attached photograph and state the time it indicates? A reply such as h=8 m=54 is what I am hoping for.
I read h=8 m=43
